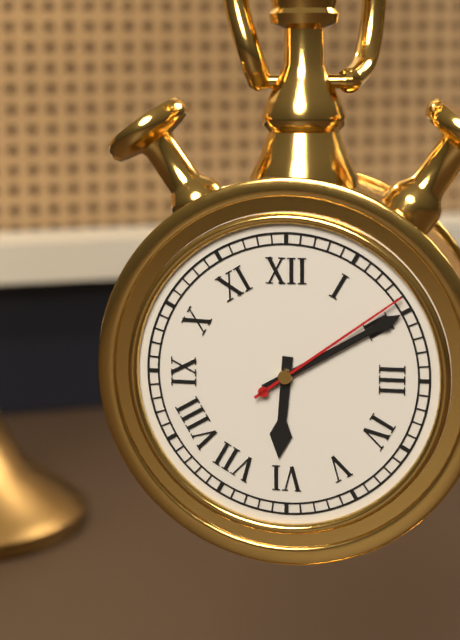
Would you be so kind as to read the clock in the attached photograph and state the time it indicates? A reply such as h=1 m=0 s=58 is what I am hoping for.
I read h=6 m=10 s=9
